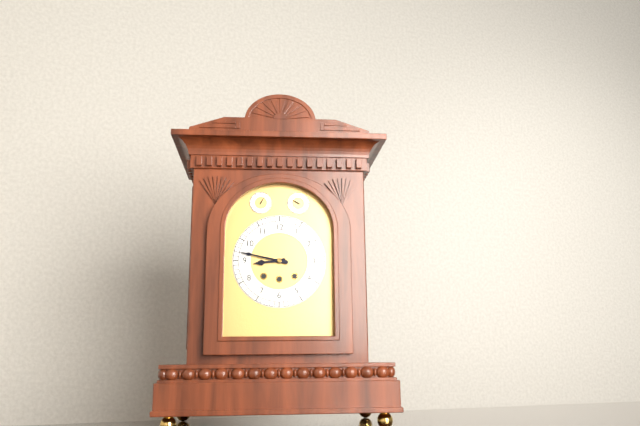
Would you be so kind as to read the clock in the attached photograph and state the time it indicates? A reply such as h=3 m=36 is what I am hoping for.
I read h=8 m=47
